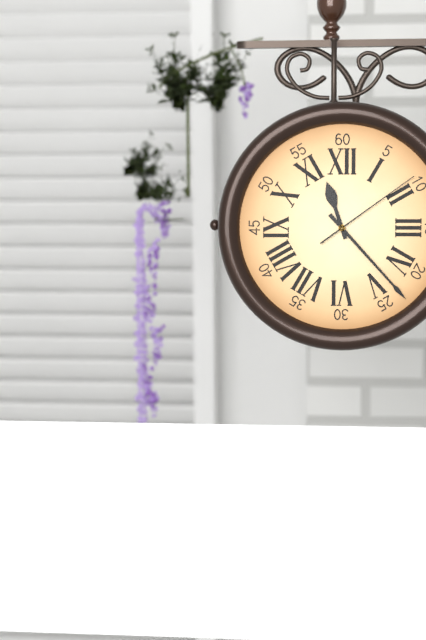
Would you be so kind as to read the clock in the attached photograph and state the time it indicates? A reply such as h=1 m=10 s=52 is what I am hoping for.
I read h=11 m=23 s=9
